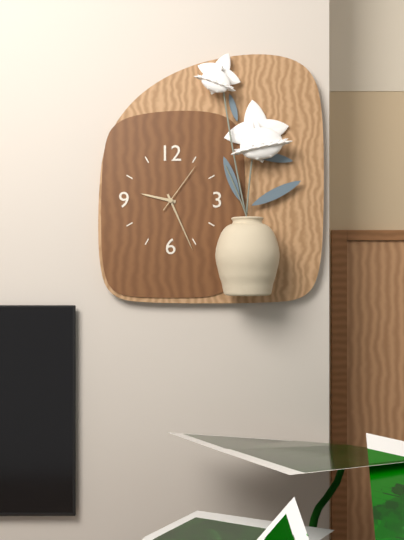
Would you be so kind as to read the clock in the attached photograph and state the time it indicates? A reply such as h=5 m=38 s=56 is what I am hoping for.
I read h=9 m=26 s=6
